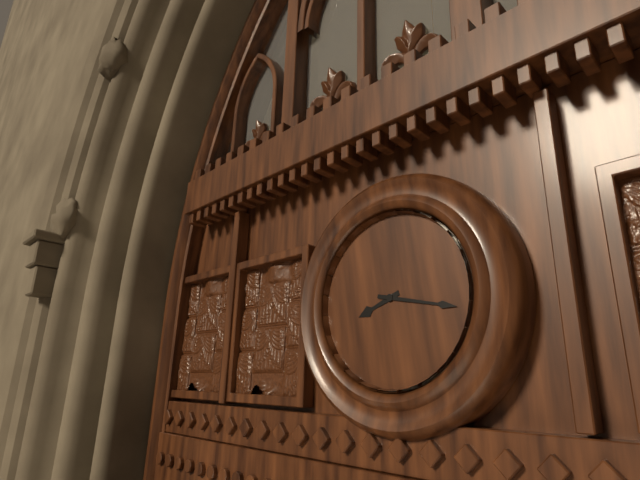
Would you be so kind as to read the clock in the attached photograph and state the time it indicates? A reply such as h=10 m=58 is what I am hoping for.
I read h=8 m=17
